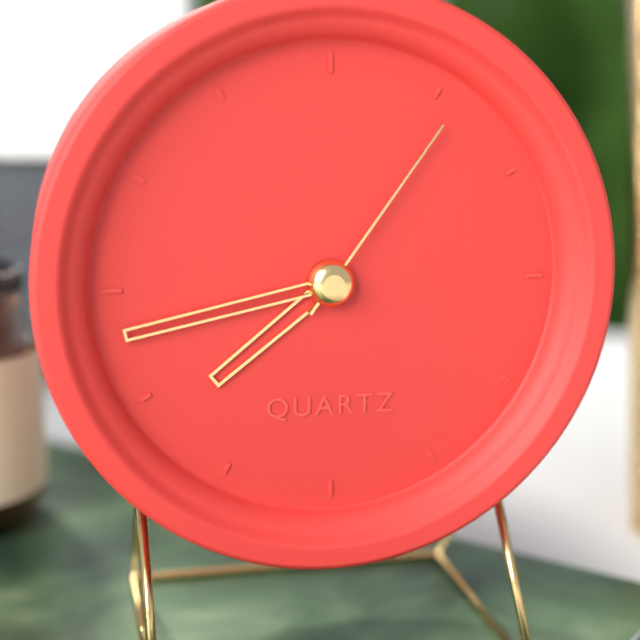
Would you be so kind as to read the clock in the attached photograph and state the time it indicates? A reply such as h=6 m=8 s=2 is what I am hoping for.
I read h=7 m=43 s=6
